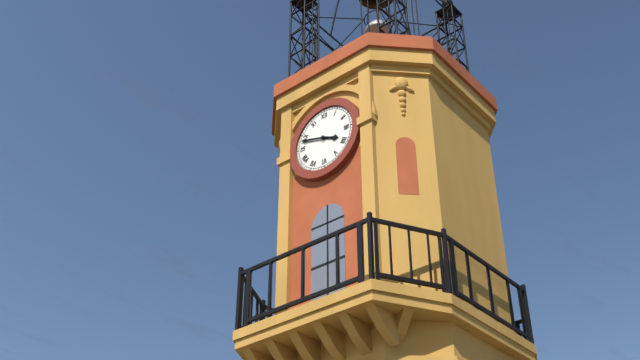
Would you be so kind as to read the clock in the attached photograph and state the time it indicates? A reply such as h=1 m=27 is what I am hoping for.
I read h=3 m=48
